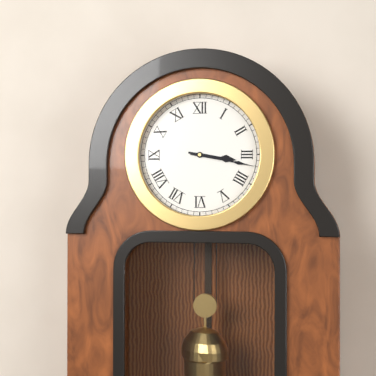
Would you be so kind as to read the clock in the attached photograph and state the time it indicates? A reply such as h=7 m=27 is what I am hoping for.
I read h=3 m=17
